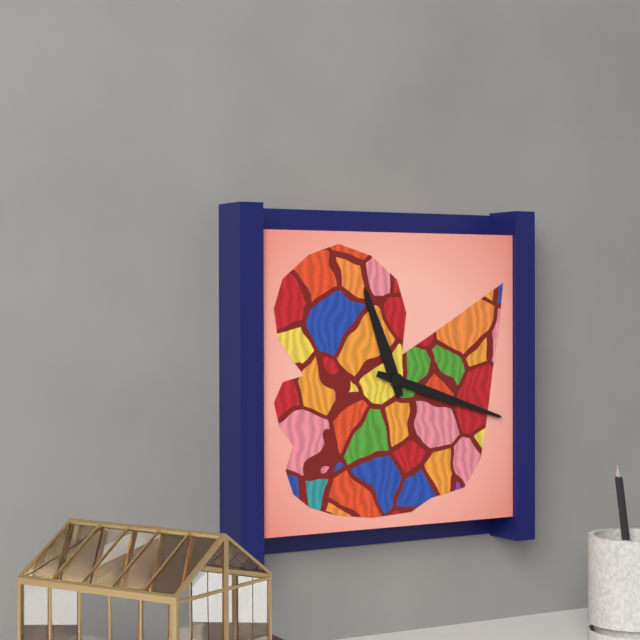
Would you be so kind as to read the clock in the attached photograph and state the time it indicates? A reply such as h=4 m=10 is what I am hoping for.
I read h=11 m=18
